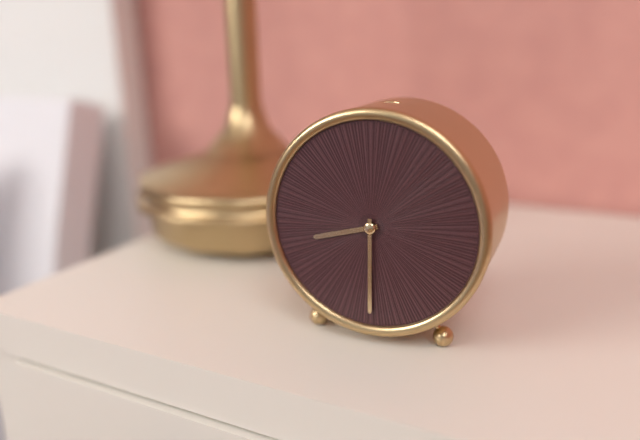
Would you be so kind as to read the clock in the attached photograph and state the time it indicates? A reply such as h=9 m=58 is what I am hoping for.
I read h=8 m=30
